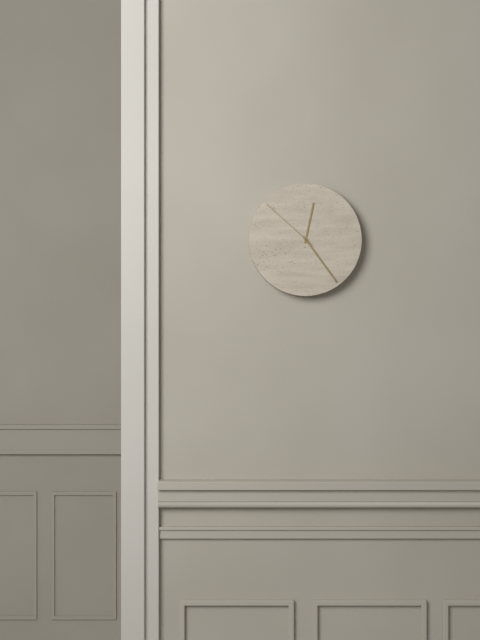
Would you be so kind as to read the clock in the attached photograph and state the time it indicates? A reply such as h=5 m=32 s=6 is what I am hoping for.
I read h=12 m=24 s=52
